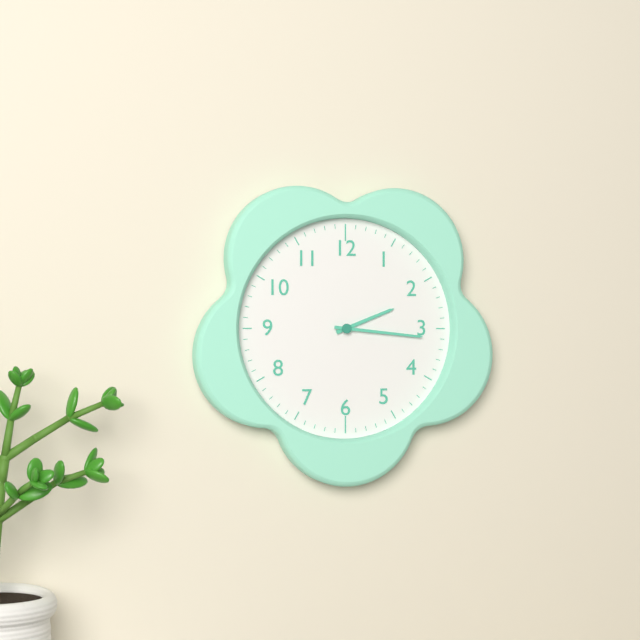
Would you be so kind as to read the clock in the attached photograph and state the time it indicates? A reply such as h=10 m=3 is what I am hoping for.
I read h=2 m=16
